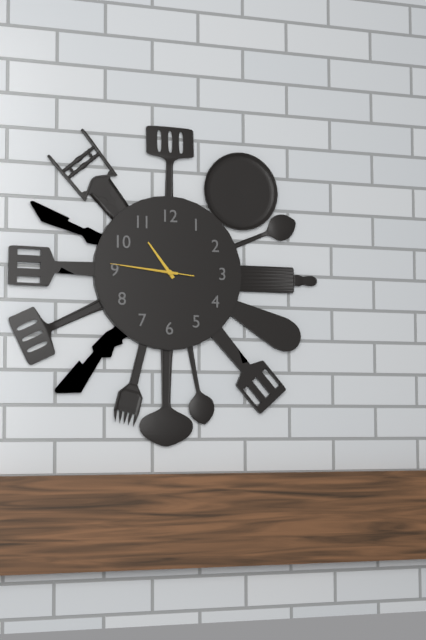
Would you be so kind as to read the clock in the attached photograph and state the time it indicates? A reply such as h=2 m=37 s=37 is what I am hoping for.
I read h=10 m=46 s=46
